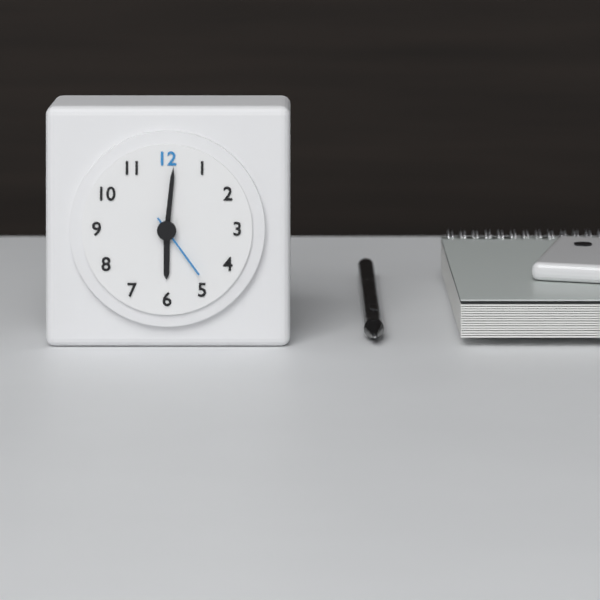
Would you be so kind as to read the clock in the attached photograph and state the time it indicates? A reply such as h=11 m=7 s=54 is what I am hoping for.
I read h=6 m=1 s=24
